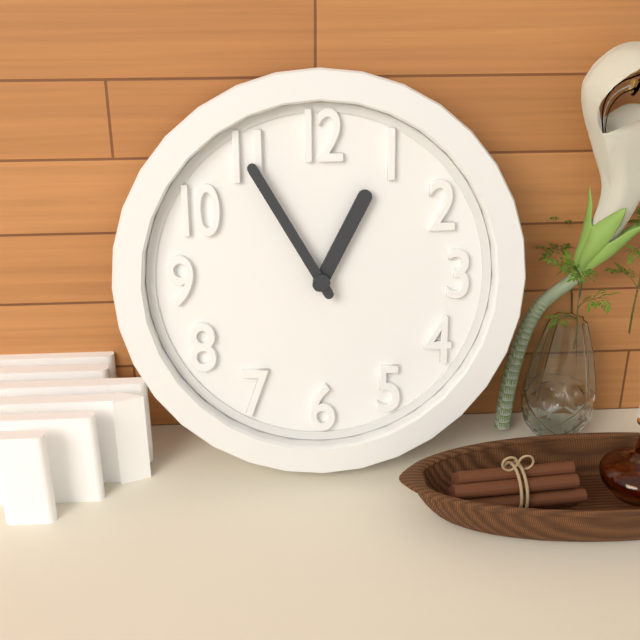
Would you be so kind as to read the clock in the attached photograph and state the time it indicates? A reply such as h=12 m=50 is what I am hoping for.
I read h=12 m=55
